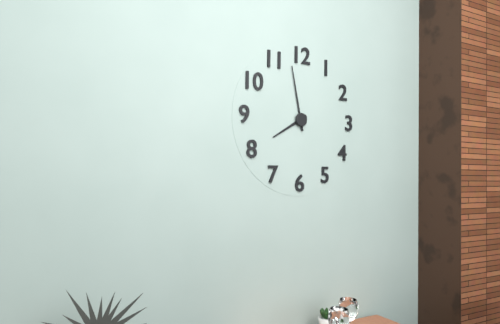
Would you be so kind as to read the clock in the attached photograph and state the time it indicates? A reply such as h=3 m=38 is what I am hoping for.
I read h=7 m=58
